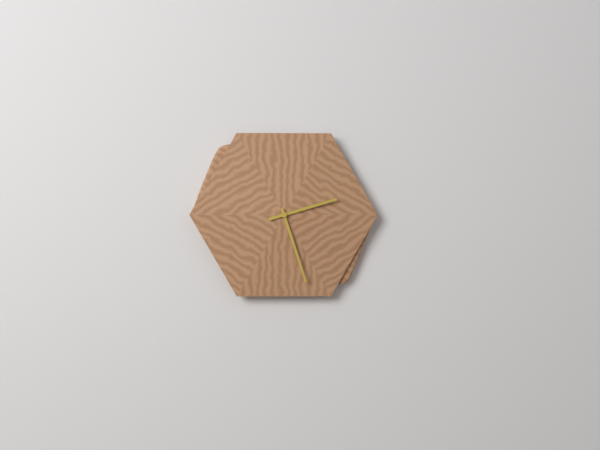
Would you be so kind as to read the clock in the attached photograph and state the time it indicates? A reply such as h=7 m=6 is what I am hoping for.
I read h=2 m=27
